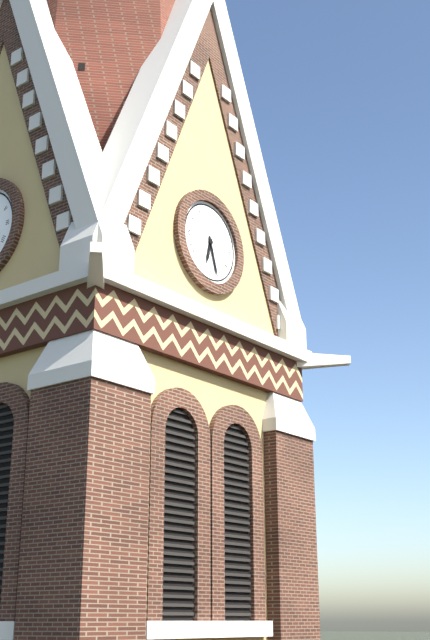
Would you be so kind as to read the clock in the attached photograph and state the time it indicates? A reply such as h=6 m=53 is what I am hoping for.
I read h=6 m=27
